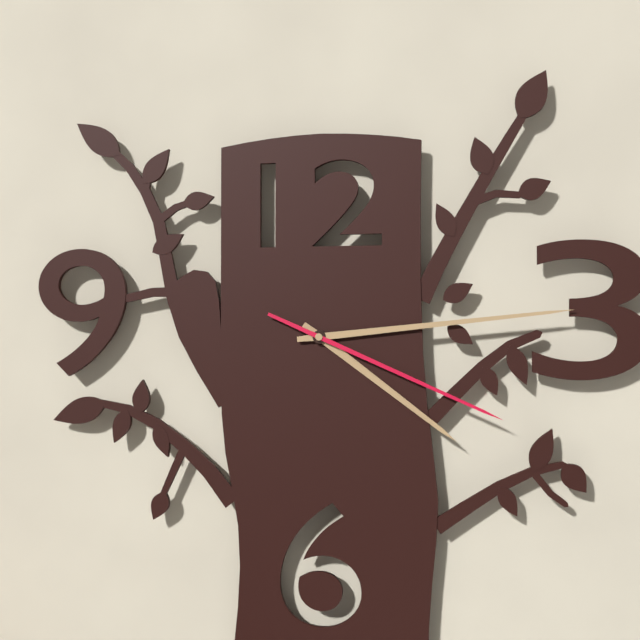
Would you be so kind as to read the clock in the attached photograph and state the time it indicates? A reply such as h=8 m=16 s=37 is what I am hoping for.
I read h=4 m=14 s=19
